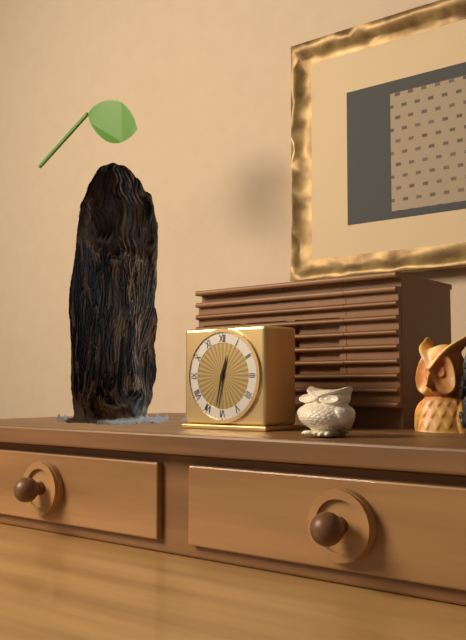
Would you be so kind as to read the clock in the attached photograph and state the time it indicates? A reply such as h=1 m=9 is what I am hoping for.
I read h=12 m=32
